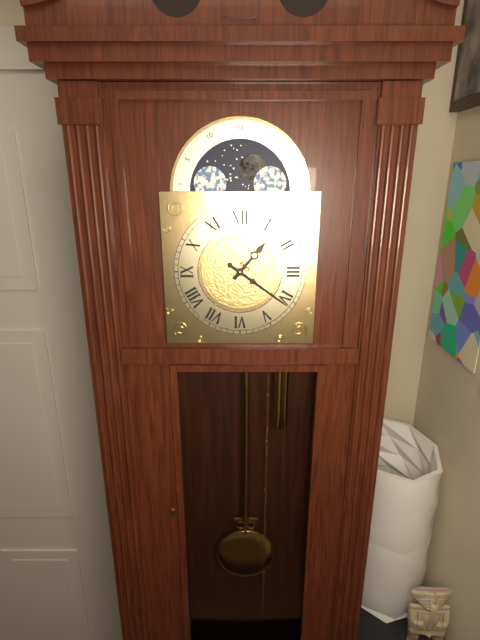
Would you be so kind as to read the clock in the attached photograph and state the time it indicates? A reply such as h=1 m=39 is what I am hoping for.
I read h=1 m=21
